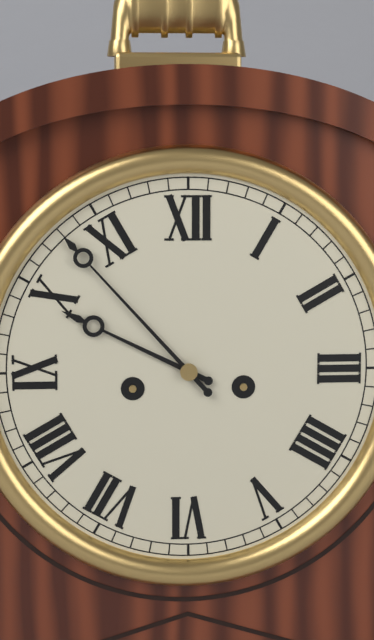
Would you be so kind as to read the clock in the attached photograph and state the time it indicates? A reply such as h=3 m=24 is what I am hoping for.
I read h=9 m=53
